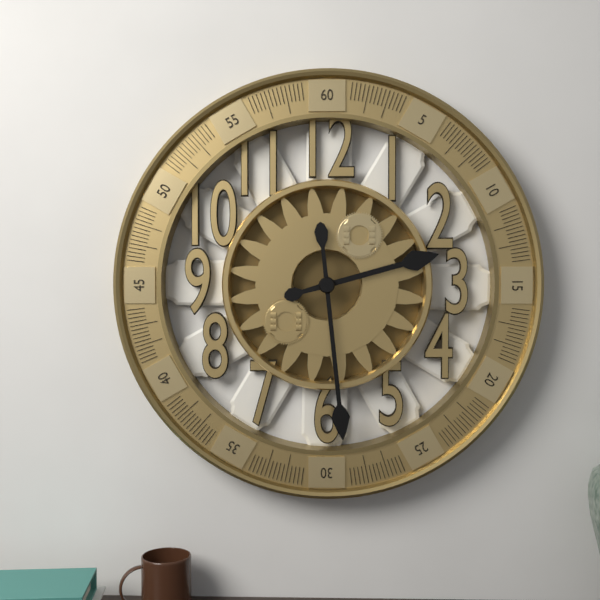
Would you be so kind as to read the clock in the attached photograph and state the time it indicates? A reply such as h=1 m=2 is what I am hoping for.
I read h=2 m=29
